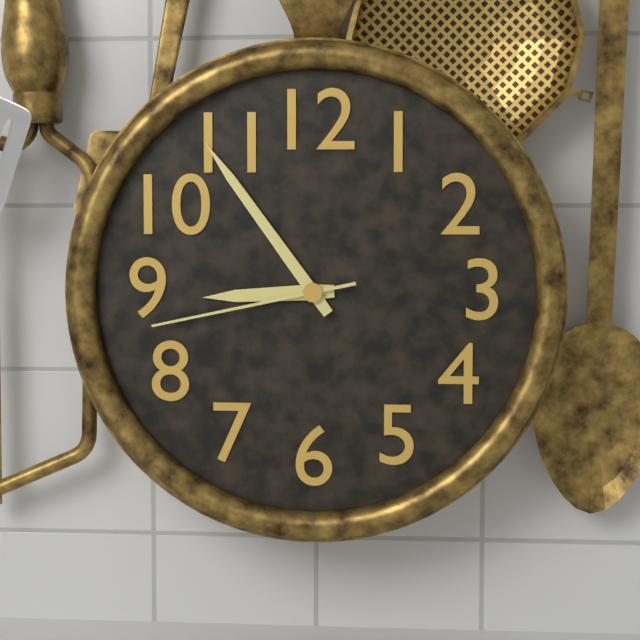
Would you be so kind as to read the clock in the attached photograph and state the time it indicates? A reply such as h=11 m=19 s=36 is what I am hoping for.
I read h=8 m=54 s=43
